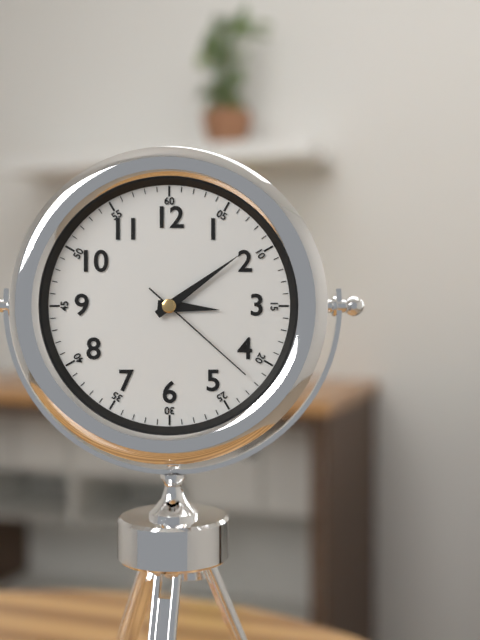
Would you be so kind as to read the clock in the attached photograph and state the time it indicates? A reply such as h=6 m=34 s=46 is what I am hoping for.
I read h=3 m=9 s=22
